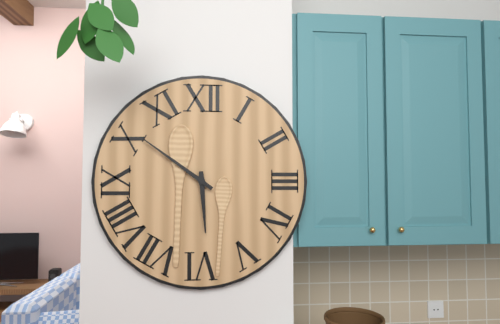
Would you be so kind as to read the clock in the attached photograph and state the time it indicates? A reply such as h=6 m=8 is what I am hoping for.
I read h=5 m=51
